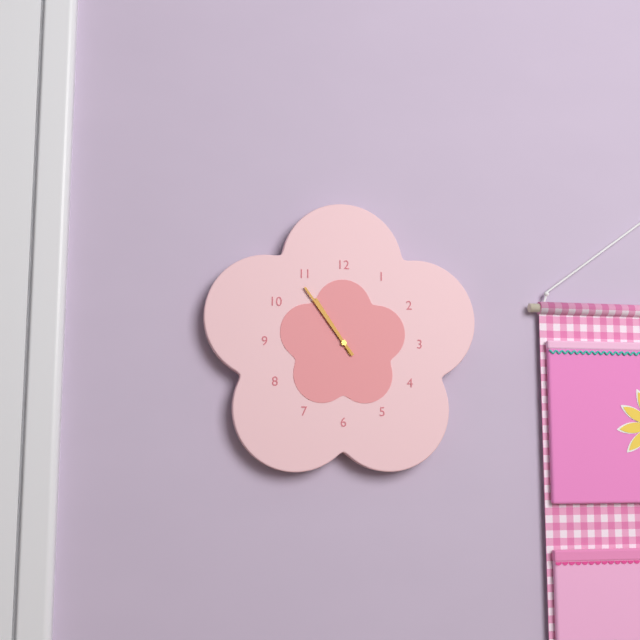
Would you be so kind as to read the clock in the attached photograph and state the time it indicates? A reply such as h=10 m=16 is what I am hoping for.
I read h=10 m=54
